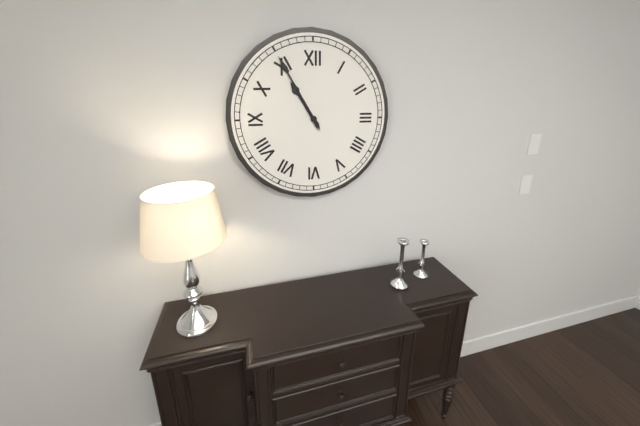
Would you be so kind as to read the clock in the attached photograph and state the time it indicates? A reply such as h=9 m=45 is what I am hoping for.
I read h=10 m=55
